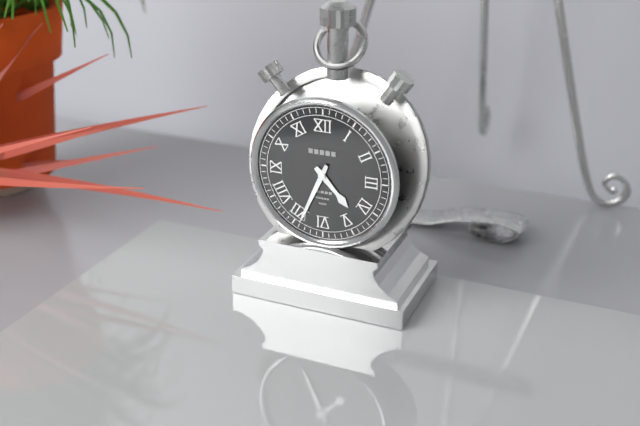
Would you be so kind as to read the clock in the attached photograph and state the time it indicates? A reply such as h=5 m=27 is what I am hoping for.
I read h=4 m=34
